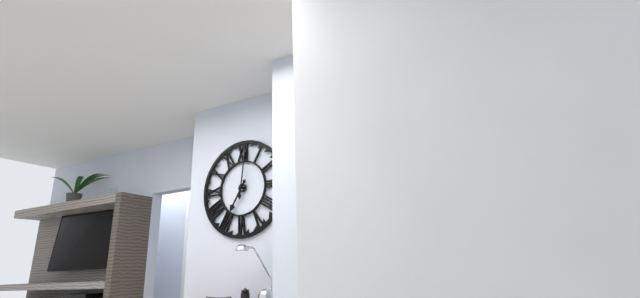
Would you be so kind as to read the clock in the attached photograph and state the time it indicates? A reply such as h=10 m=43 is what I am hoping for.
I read h=7 m=1
